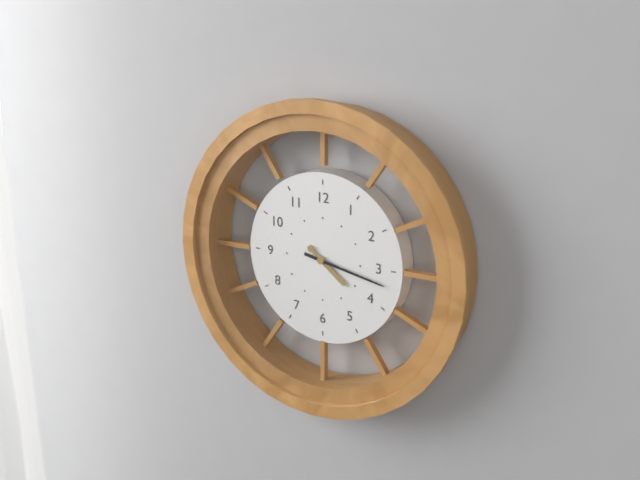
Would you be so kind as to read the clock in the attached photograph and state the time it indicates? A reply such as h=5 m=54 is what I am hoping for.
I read h=4 m=17
